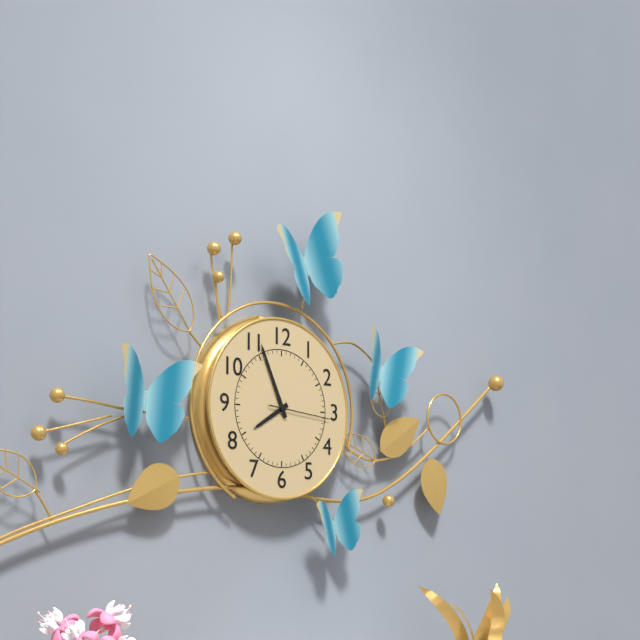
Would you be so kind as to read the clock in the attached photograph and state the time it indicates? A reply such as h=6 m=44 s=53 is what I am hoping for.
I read h=7 m=56 s=16
